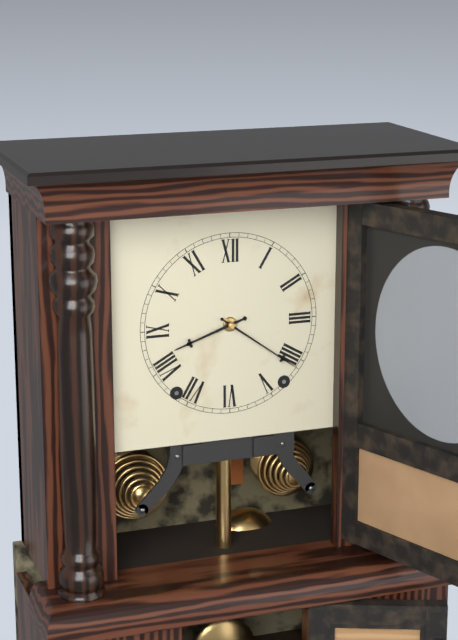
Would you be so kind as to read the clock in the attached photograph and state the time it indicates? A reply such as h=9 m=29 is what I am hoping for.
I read h=8 m=21
